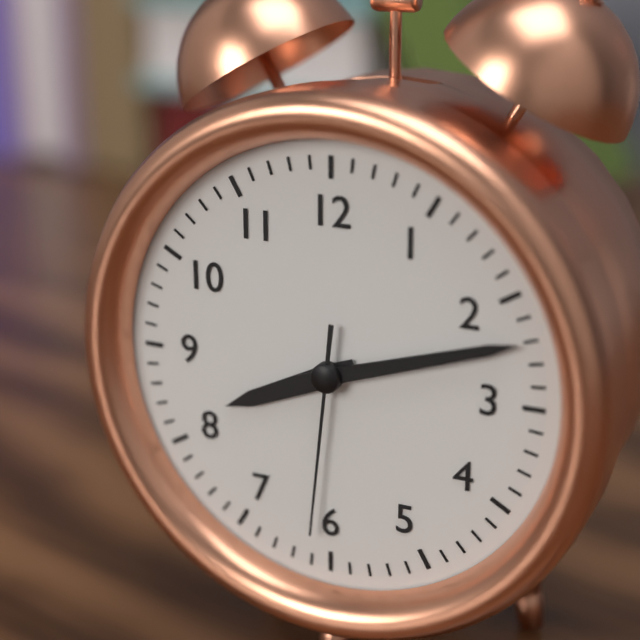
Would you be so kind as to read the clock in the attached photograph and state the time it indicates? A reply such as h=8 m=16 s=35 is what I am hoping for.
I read h=8 m=12 s=31
